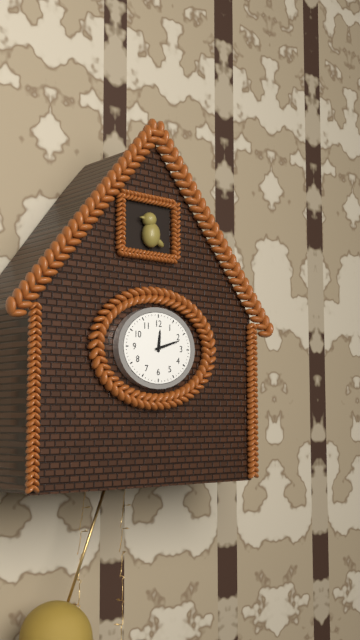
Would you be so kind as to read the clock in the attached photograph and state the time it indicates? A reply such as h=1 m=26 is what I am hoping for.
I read h=12 m=12
